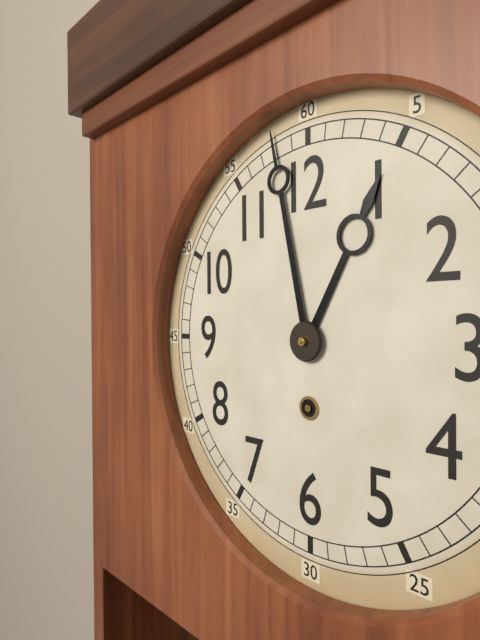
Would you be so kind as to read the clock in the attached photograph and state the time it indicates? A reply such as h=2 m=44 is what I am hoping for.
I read h=12 m=58
